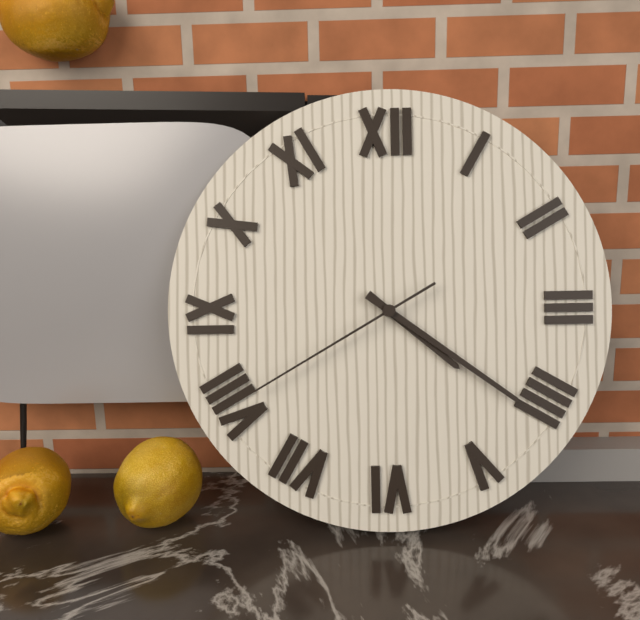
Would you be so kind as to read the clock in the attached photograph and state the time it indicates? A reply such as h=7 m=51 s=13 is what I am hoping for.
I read h=4 m=21 s=40
